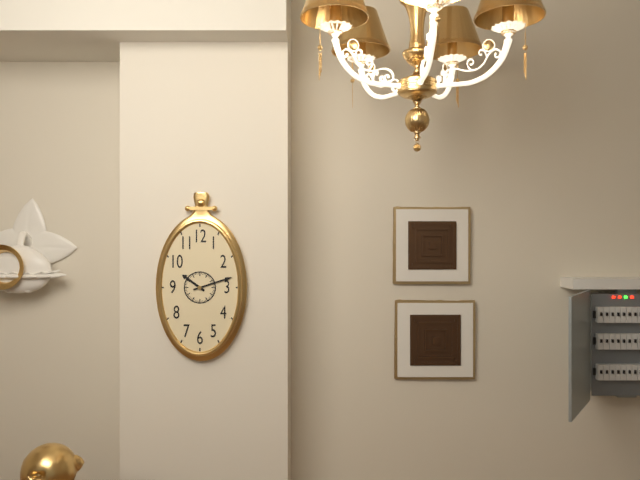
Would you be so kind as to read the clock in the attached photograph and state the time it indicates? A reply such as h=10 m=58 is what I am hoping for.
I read h=10 m=12
